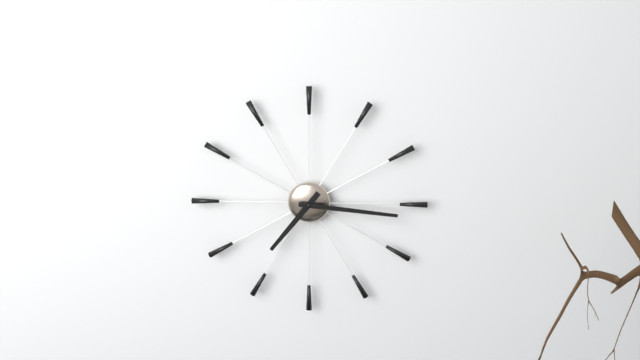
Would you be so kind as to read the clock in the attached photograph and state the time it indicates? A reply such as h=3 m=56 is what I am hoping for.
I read h=7 m=16
